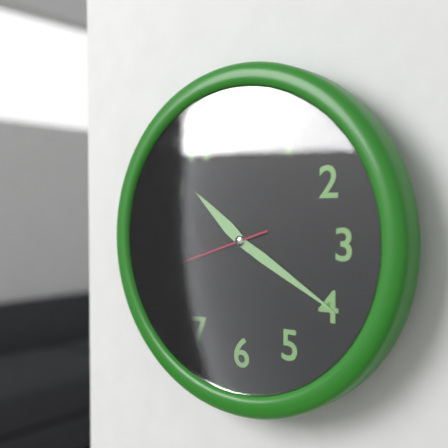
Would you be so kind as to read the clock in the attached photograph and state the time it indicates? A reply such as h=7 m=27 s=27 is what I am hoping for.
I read h=10 m=20 s=42
